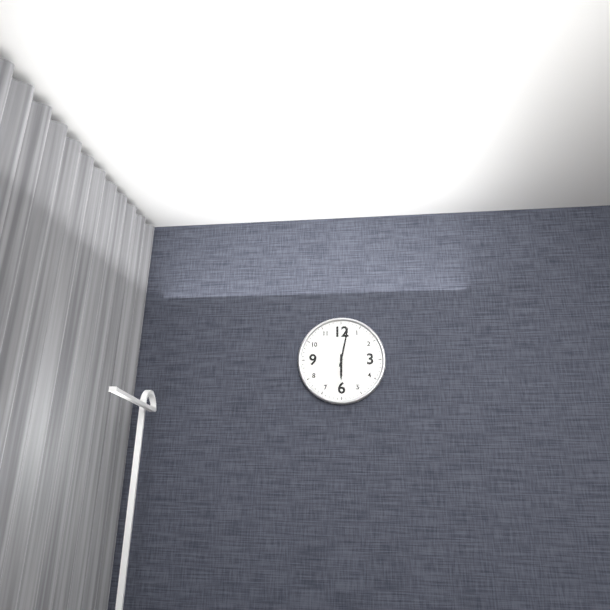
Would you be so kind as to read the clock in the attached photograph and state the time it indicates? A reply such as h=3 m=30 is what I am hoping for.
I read h=6 m=2
